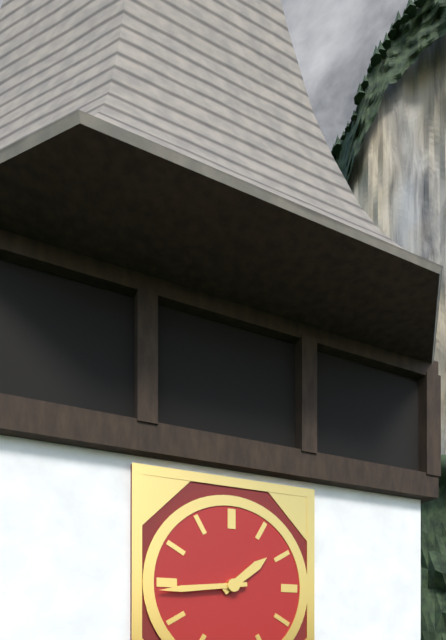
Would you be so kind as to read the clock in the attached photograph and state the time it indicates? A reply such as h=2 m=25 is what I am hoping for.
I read h=1 m=44
